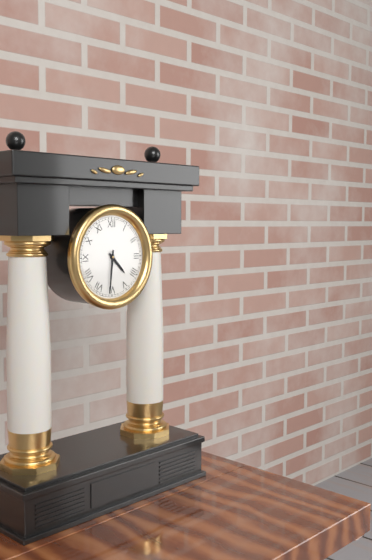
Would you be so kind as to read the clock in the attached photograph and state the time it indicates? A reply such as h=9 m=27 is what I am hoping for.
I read h=4 m=31
